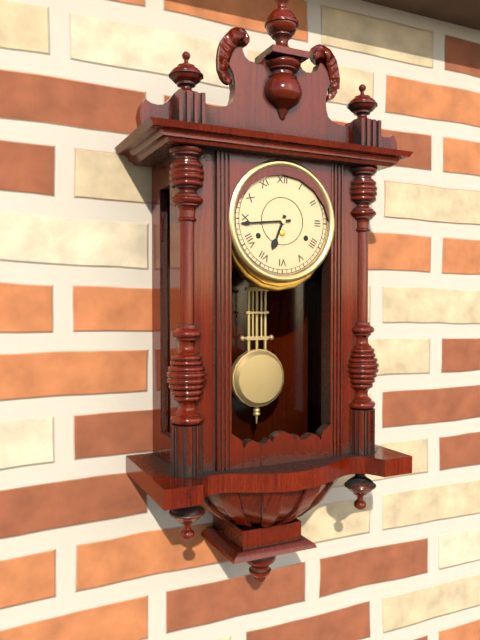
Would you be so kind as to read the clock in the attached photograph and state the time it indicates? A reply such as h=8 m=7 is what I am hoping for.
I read h=6 m=44
